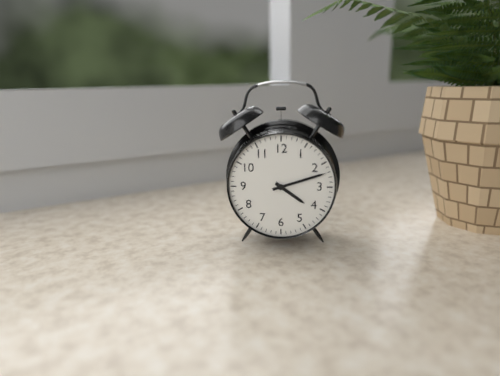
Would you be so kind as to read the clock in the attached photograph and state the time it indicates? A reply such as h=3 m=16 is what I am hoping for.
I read h=4 m=12
